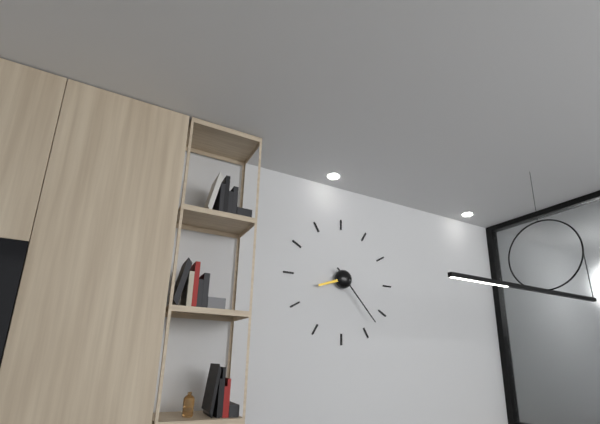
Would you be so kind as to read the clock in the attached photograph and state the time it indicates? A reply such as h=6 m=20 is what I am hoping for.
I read h=8 m=23
